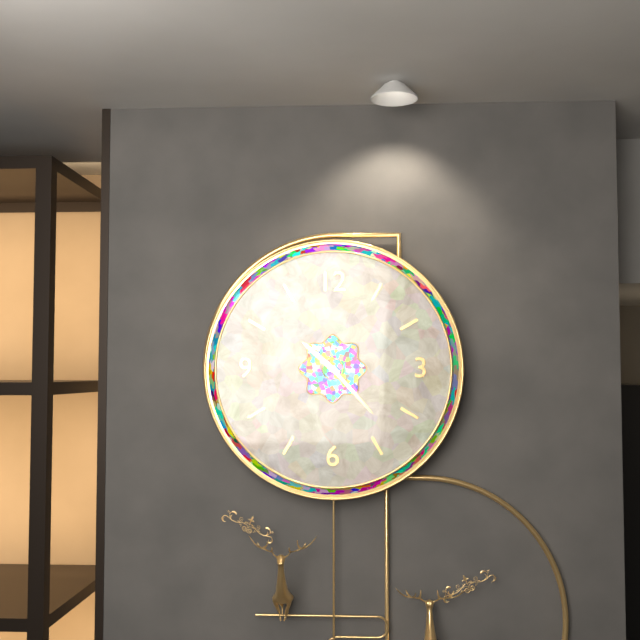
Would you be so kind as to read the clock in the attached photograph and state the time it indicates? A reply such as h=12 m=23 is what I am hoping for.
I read h=10 m=23
